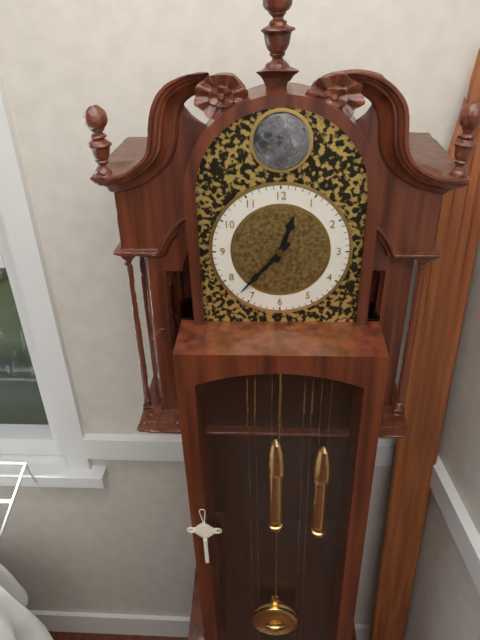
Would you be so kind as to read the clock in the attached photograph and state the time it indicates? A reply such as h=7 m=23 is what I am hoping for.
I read h=12 m=37
